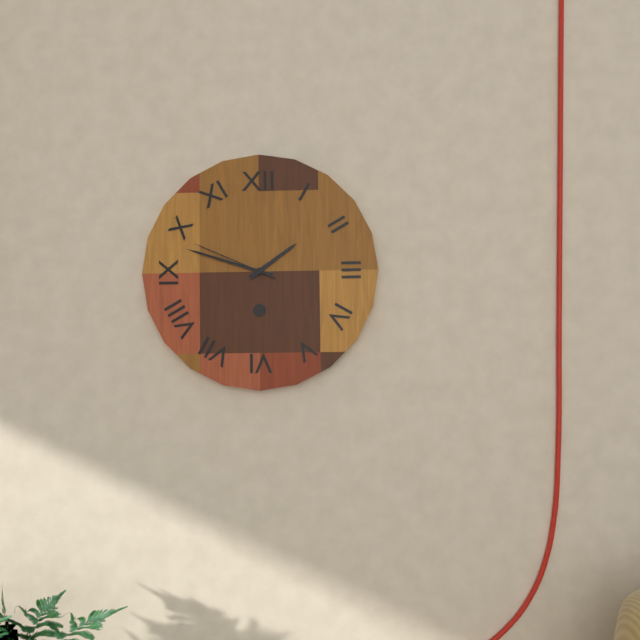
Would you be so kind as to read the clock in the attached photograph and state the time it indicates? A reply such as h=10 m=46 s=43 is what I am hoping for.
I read h=1 m=48 s=49
